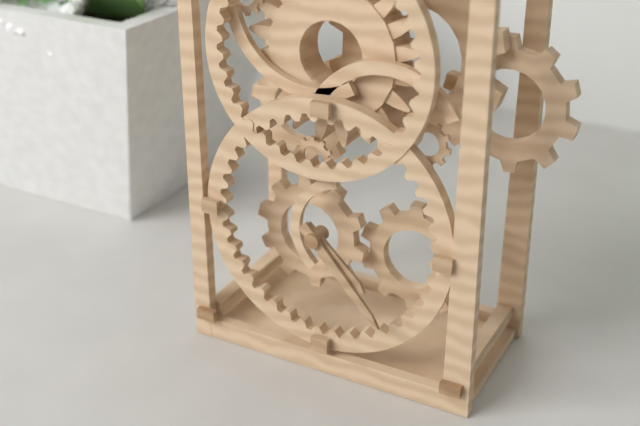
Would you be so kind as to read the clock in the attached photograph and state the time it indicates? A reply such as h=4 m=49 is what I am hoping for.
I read h=4 m=23
